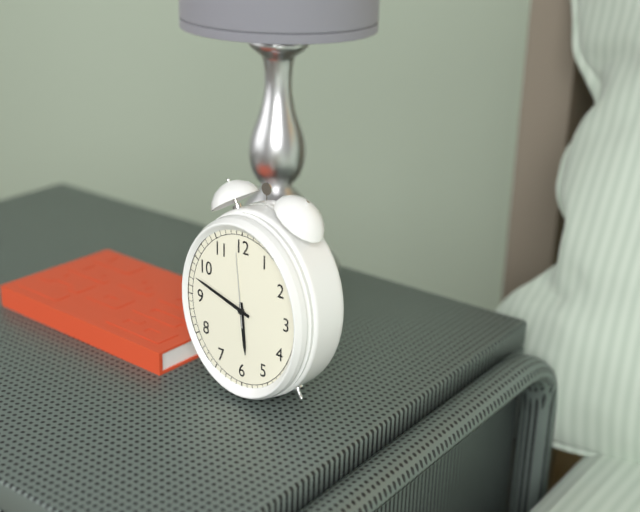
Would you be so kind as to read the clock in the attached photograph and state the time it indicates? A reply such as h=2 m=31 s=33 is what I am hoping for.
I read h=5 m=48 s=59
